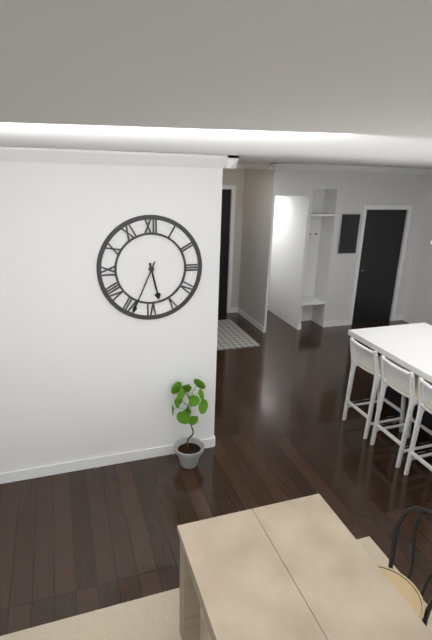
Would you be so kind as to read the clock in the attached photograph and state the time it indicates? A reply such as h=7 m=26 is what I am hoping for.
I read h=5 m=34
